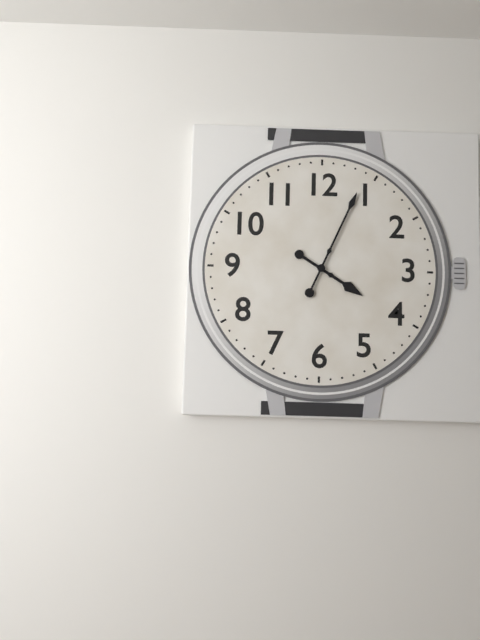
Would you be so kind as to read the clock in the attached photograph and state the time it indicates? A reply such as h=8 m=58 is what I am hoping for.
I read h=4 m=4
